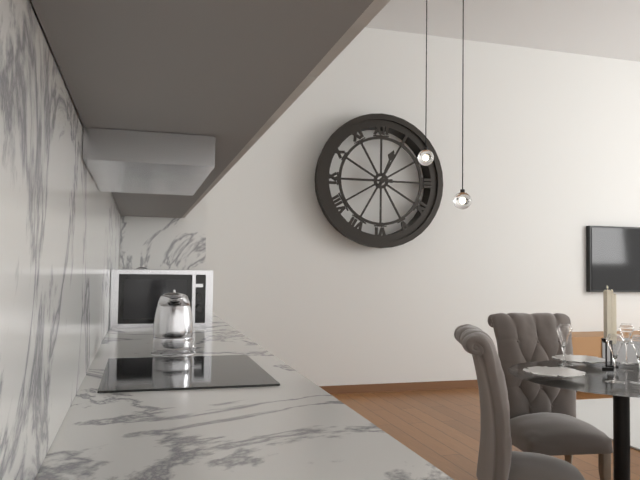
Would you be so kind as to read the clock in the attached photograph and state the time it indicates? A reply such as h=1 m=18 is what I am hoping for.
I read h=12 m=45
